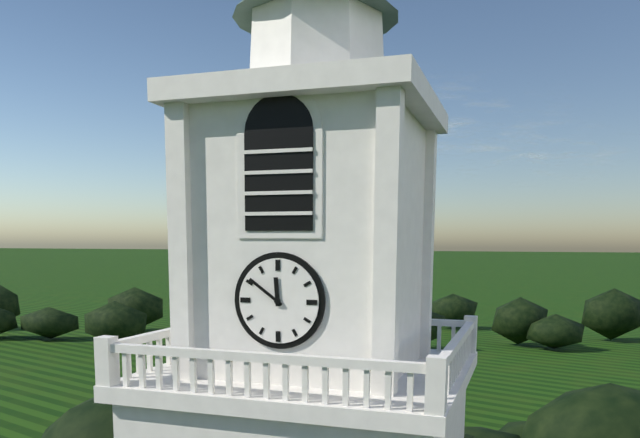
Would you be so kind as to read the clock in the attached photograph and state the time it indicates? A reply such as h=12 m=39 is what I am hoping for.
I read h=11 m=51
